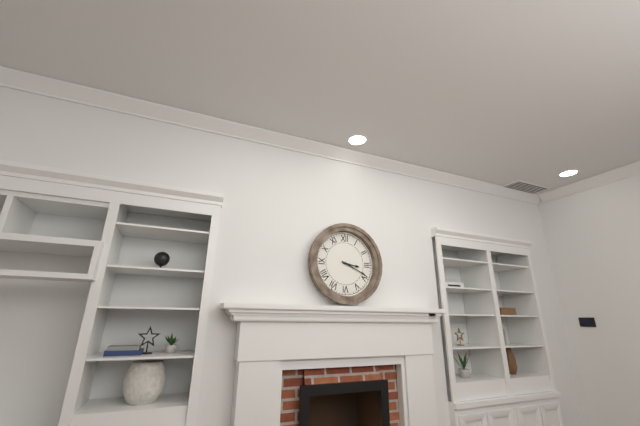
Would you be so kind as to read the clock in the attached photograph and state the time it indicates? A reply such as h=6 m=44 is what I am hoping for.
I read h=3 m=19
